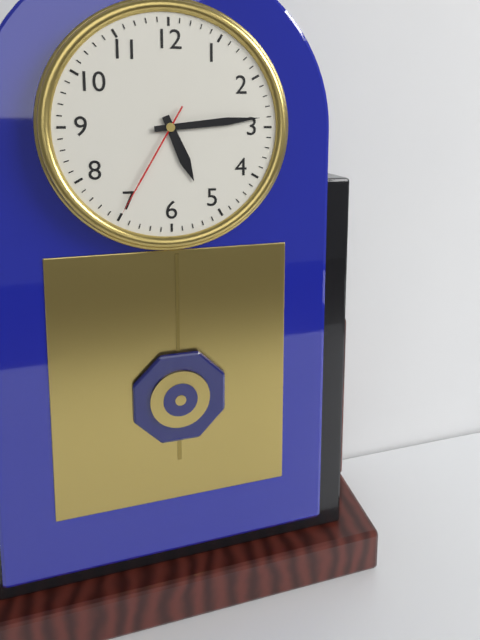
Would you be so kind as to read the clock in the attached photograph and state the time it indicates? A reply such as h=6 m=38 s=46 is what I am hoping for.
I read h=5 m=14 s=35
